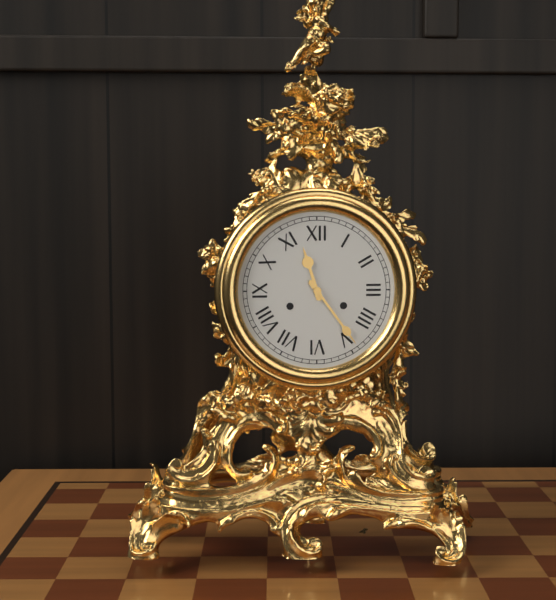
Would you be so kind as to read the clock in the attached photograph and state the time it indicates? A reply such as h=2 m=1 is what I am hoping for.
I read h=11 m=24
